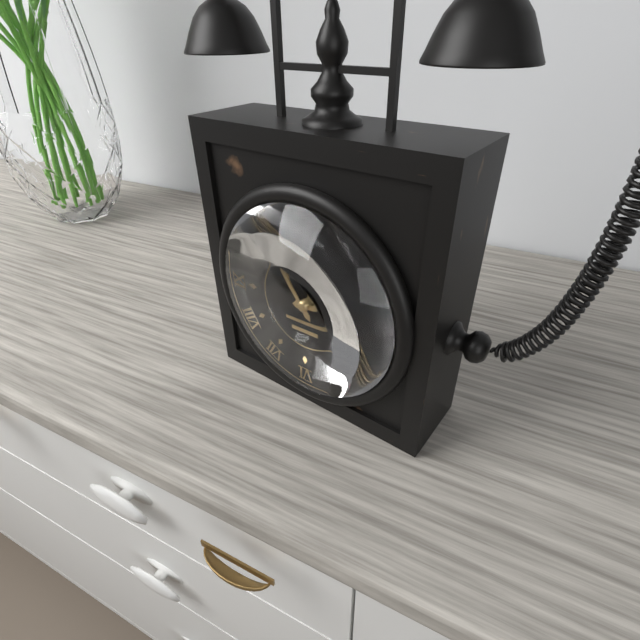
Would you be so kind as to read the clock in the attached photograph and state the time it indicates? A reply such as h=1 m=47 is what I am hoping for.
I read h=2 m=54
